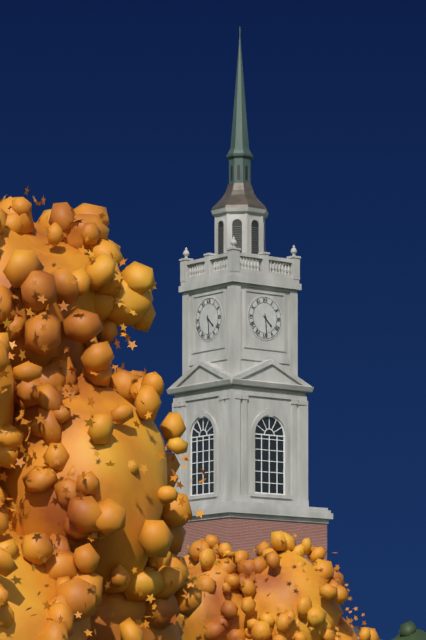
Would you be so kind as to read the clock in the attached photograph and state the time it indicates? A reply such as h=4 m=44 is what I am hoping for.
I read h=4 m=29
